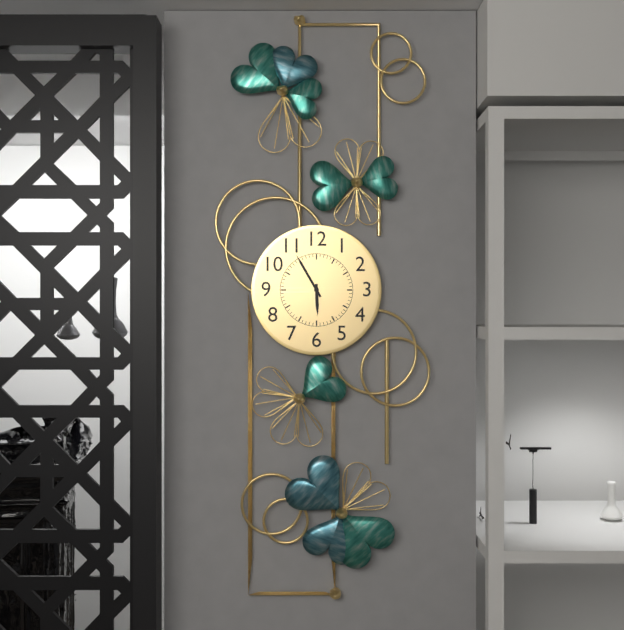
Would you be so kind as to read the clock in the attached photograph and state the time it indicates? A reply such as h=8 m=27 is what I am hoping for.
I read h=5 m=55
